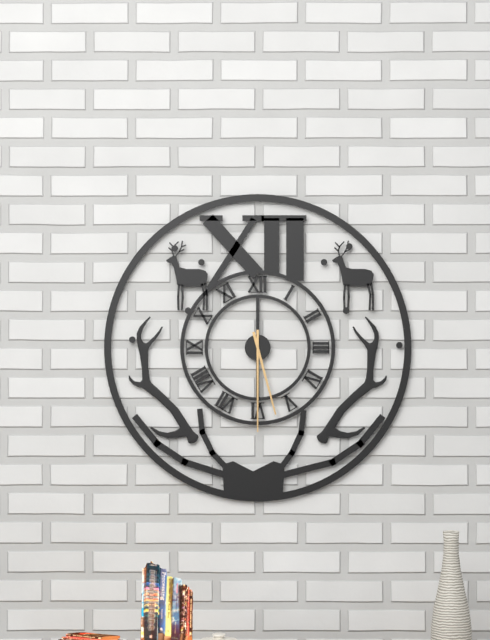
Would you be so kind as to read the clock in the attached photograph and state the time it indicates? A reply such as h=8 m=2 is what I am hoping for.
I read h=5 m=30
